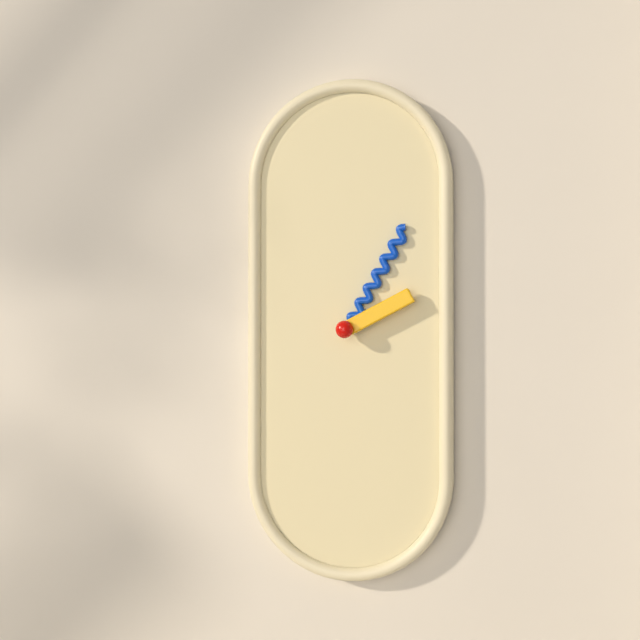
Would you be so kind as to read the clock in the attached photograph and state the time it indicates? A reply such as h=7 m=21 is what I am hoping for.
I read h=2 m=5
